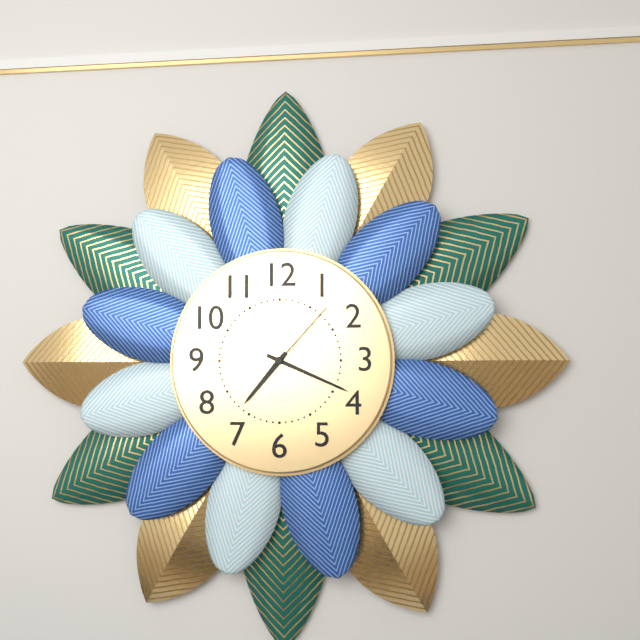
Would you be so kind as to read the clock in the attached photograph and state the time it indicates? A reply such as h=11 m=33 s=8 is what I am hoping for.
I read h=7 m=19 s=7
